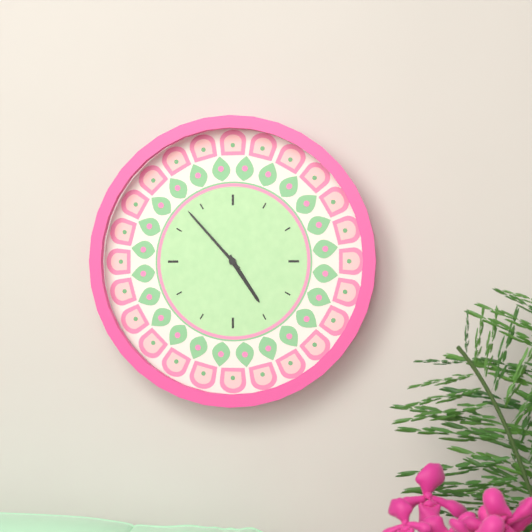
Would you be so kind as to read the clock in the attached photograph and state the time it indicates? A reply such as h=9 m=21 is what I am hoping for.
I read h=4 m=53
